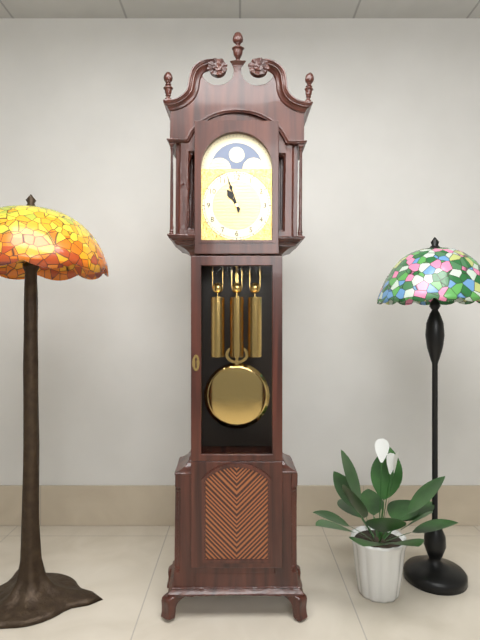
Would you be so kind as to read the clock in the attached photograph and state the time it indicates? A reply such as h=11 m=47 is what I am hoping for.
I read h=10 m=57
